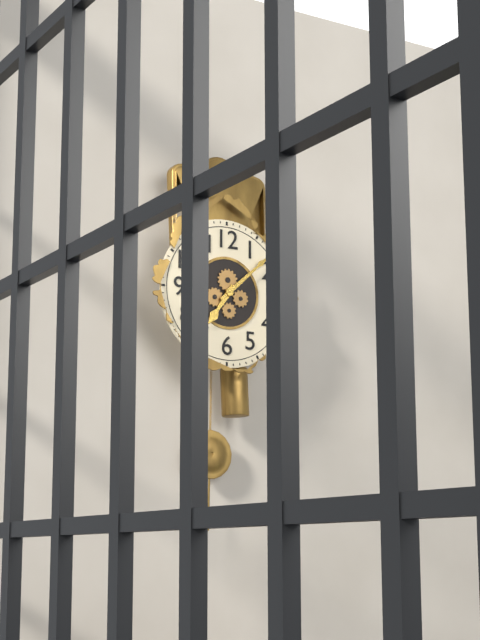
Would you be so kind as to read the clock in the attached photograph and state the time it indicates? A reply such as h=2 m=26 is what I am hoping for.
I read h=7 m=8
